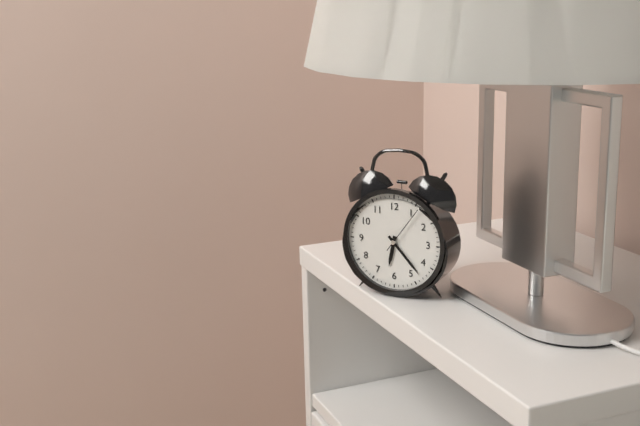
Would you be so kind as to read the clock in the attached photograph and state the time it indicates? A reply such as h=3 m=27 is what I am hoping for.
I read h=6 m=23
